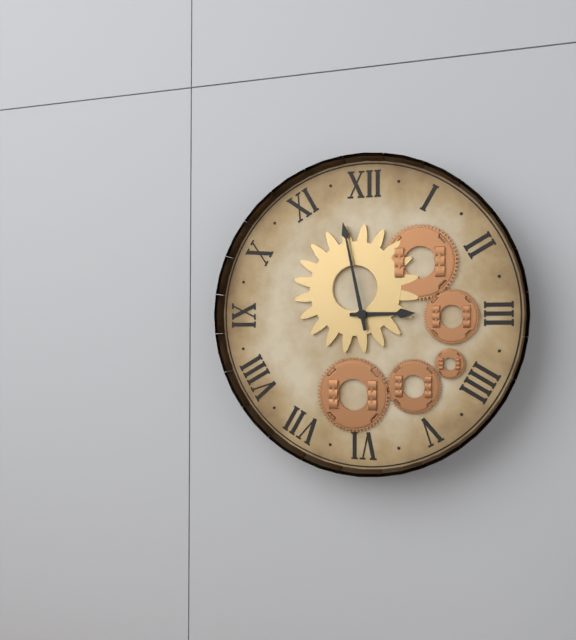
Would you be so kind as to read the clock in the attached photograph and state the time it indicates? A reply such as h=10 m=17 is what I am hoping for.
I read h=2 m=58
